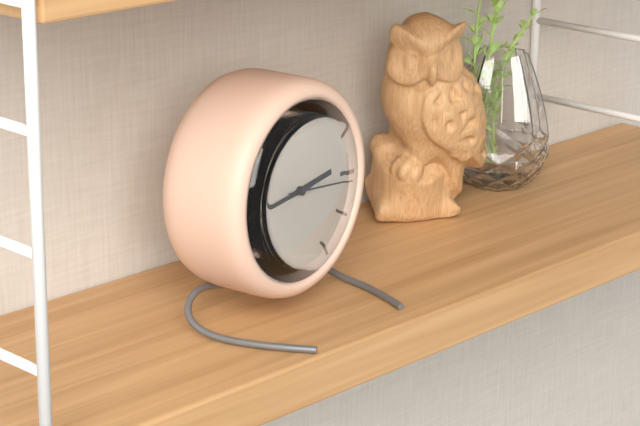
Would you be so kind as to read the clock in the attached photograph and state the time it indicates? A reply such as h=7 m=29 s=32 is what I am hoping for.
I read h=2 m=44 s=16
